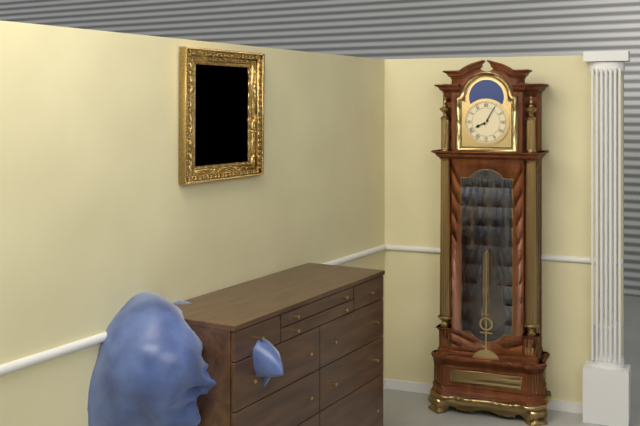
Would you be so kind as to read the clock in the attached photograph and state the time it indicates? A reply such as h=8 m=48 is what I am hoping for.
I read h=8 m=5
